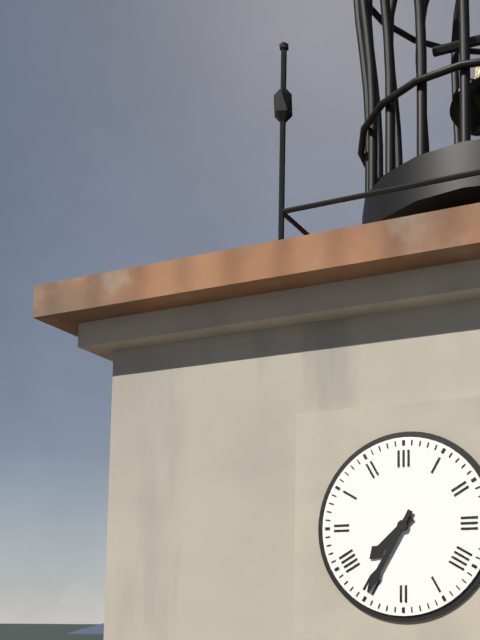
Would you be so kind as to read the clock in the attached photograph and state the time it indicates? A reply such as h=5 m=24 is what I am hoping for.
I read h=7 m=35
